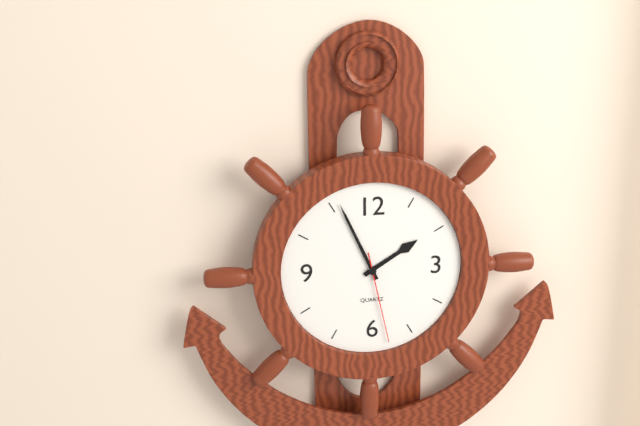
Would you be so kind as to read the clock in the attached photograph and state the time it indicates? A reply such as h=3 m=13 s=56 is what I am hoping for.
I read h=1 m=56 s=28
